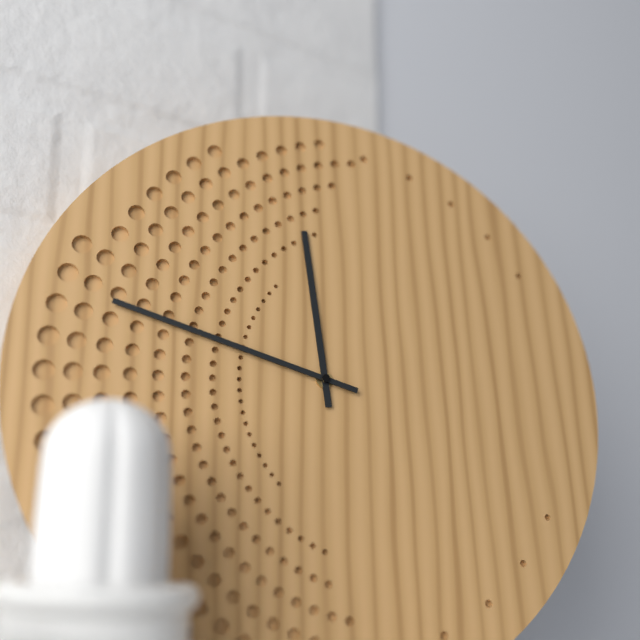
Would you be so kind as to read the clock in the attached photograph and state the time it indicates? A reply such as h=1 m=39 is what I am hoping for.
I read h=11 m=48
